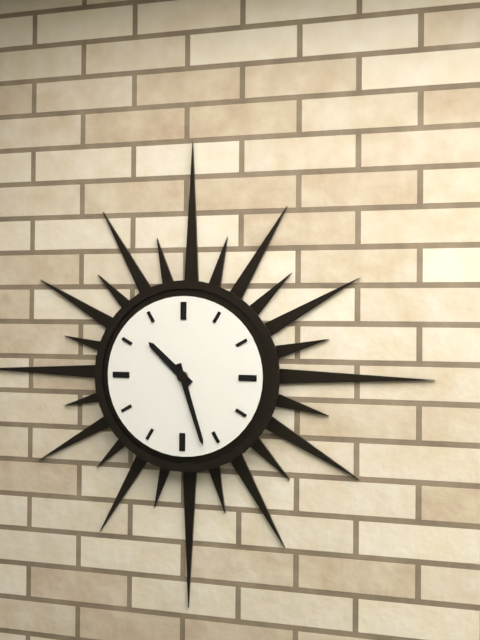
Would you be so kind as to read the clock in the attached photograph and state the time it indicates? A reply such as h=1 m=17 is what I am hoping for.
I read h=10 m=27
